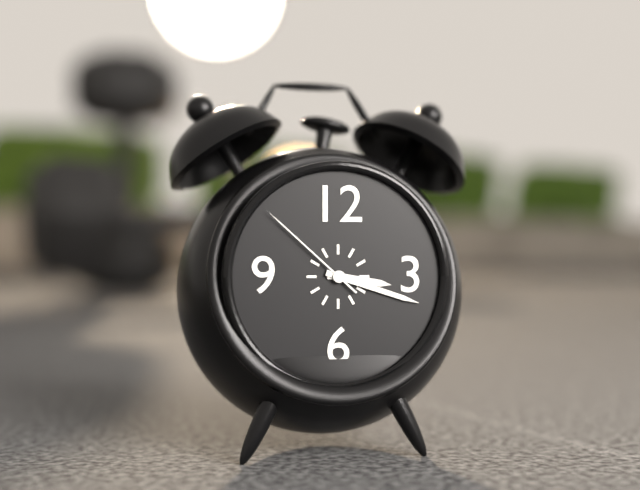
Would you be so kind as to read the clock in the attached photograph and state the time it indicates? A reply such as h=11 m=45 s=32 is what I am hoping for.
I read h=3 m=18 s=52
